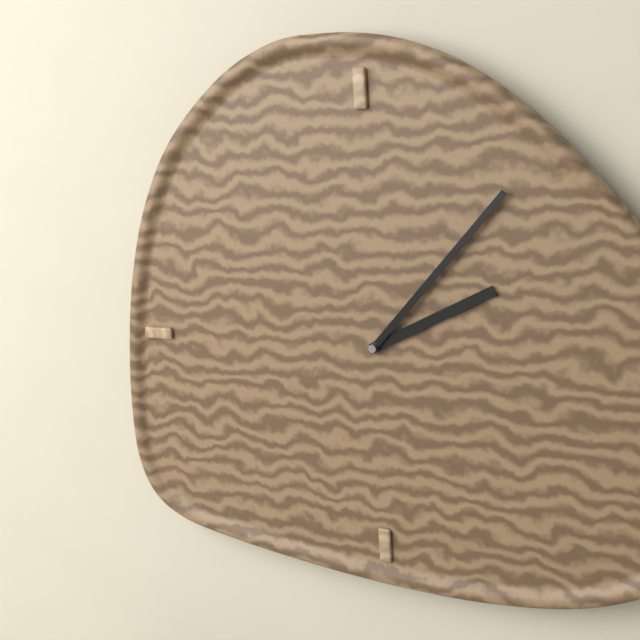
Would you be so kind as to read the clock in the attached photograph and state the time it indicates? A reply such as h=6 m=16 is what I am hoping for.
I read h=2 m=7
